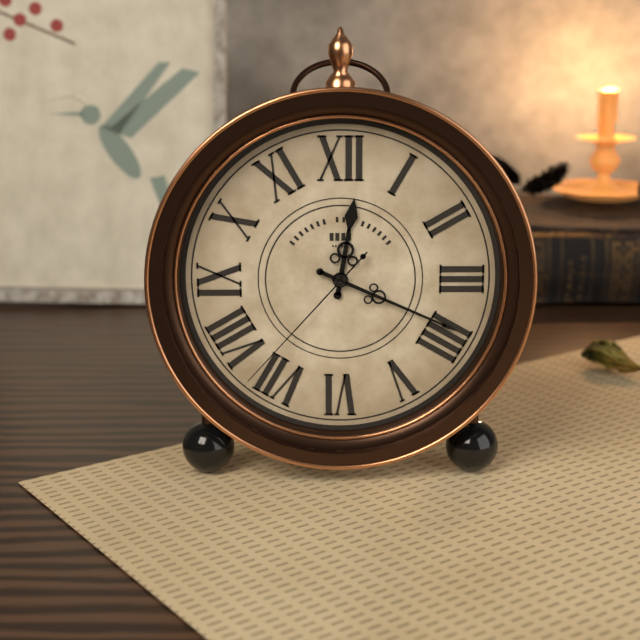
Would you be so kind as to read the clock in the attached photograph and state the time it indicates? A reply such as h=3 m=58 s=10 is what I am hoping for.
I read h=12 m=19 s=37
